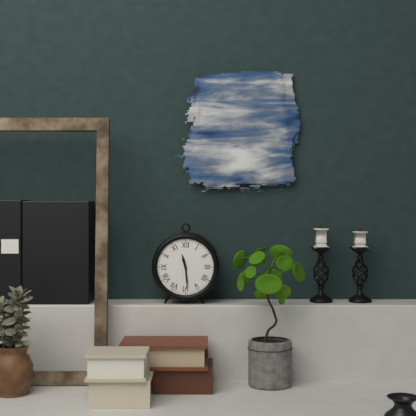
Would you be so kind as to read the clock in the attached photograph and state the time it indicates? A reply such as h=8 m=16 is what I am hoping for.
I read h=11 m=29
